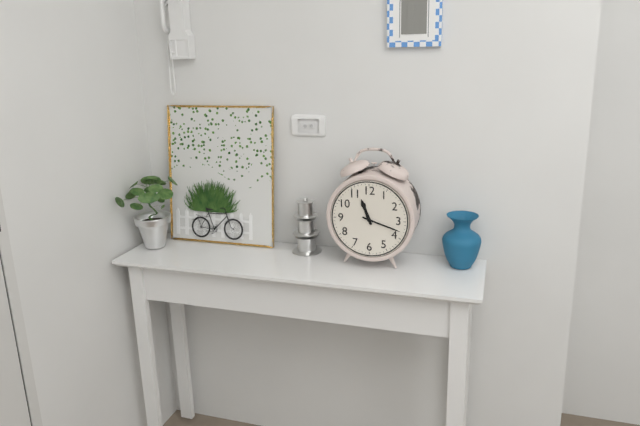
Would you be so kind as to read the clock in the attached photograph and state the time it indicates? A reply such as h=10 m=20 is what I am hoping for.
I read h=11 m=18
